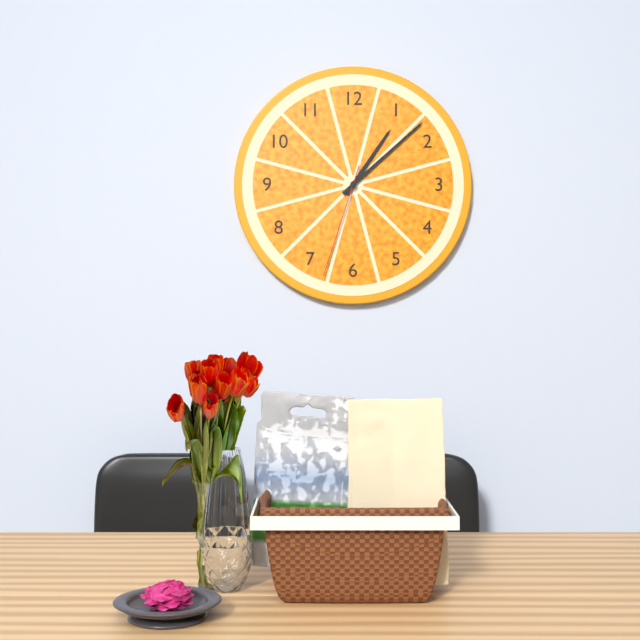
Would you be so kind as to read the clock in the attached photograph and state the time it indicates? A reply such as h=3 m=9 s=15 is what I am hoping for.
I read h=1 m=8 s=33
